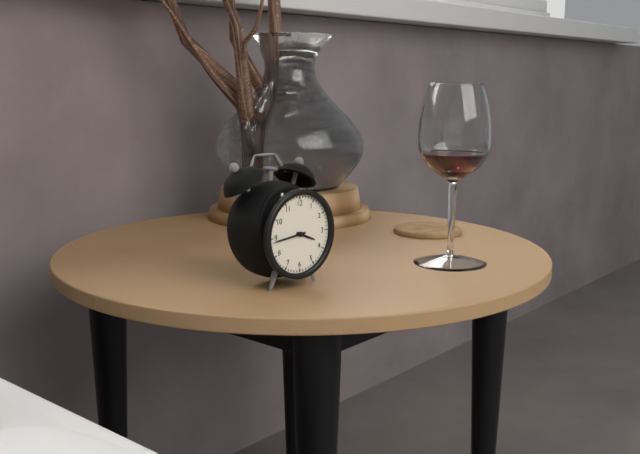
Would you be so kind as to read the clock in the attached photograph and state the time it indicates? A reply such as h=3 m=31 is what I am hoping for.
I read h=3 m=44
